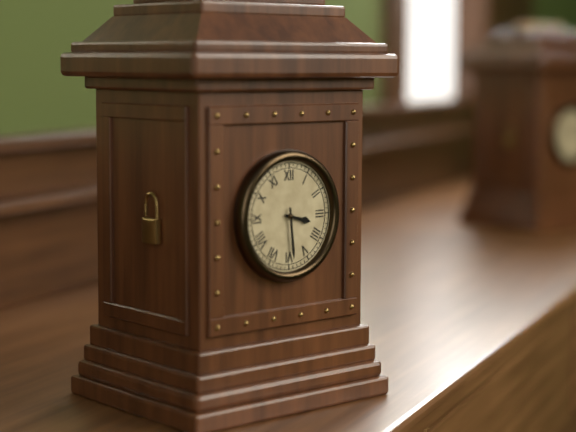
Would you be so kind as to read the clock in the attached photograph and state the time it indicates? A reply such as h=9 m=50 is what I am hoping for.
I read h=3 m=29
